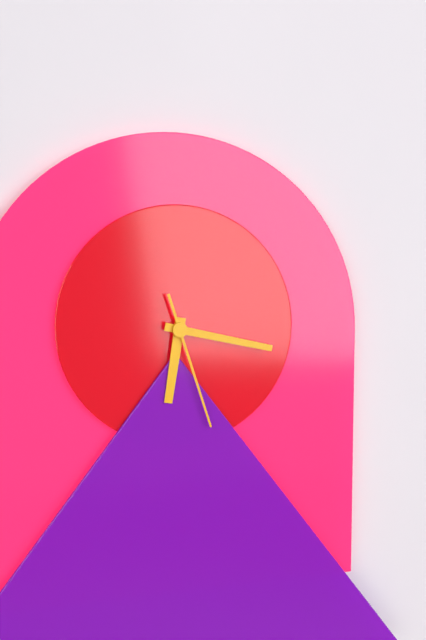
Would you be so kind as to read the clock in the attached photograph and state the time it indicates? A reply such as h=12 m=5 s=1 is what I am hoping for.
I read h=6 m=17 s=27
